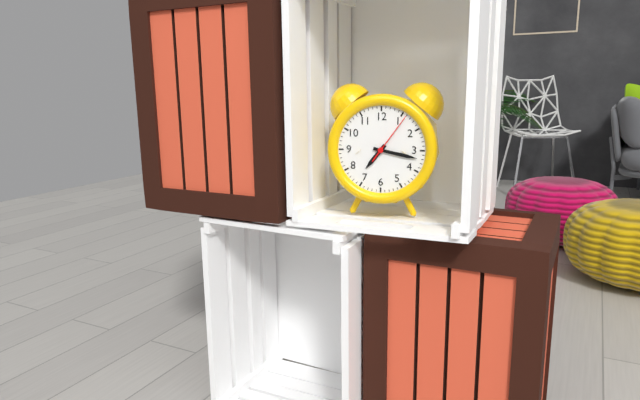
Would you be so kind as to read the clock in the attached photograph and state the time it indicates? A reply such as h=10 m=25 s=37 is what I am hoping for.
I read h=7 m=17 s=6
